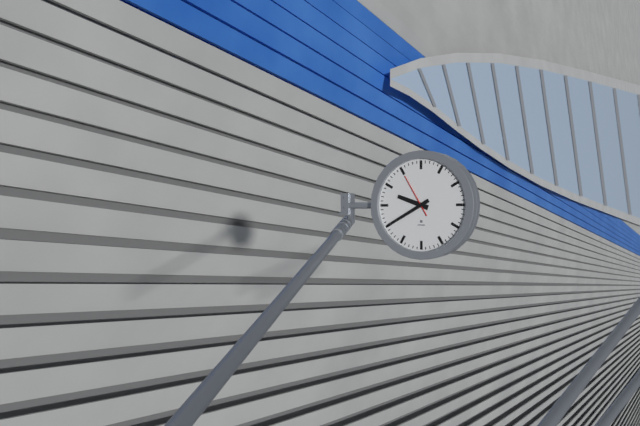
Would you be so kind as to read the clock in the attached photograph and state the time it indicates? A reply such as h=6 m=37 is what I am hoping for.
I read h=9 m=40
